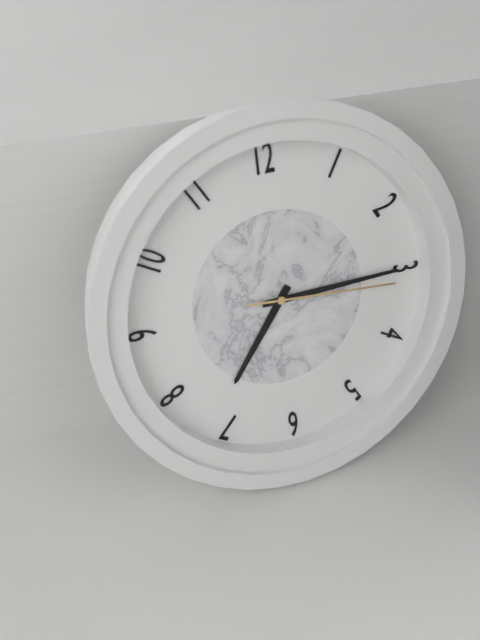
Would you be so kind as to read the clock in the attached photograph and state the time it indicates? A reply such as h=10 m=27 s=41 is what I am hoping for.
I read h=7 m=15 s=16
